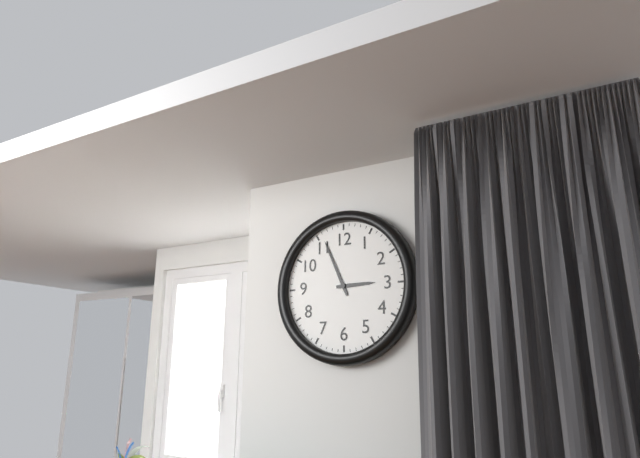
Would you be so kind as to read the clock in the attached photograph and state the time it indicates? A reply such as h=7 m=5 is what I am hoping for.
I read h=2 m=56
